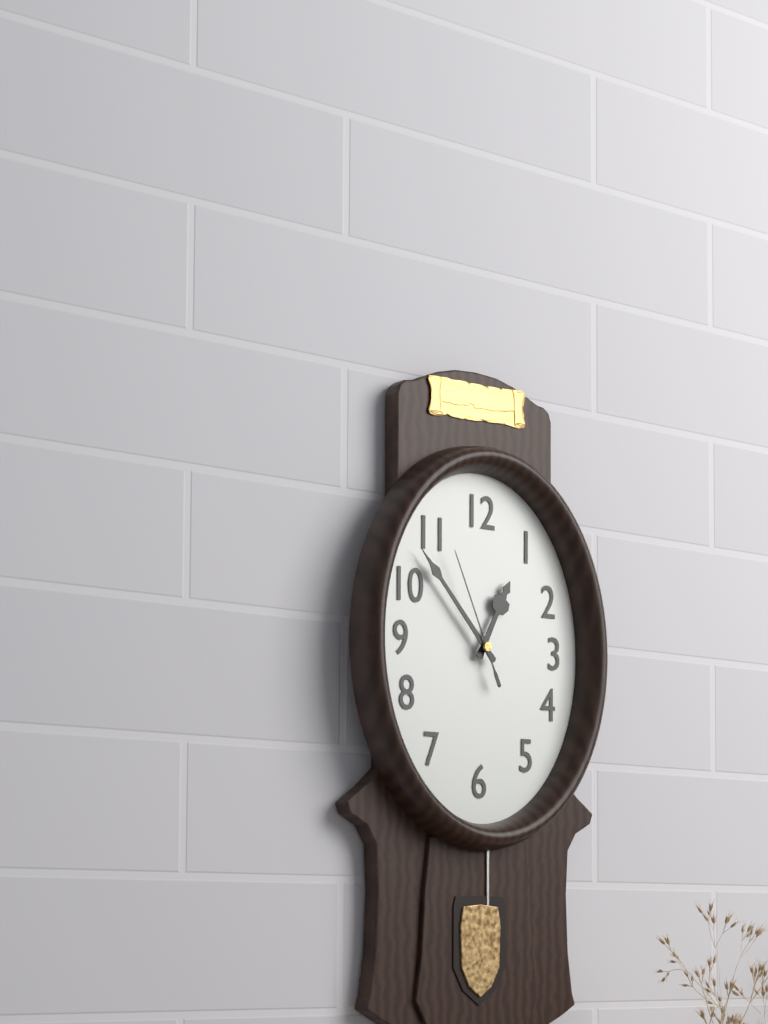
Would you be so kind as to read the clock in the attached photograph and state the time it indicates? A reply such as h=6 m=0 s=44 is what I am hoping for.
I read h=12 m=53 s=56
